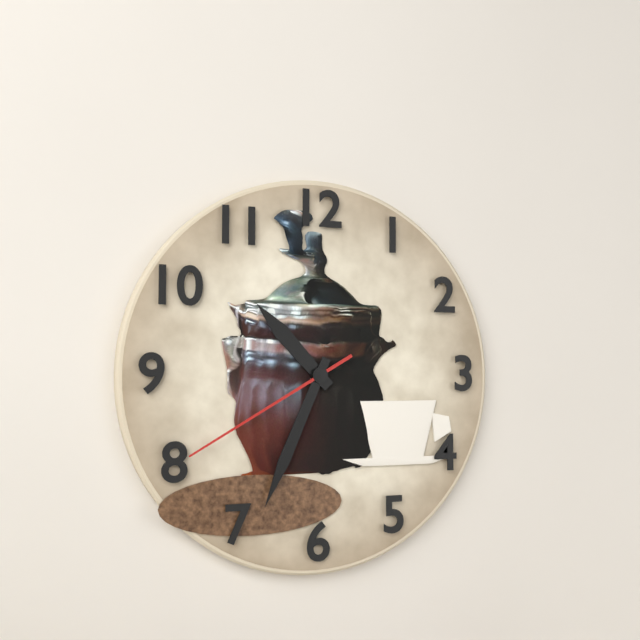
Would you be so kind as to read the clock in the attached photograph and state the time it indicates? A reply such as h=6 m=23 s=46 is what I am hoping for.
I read h=10 m=34 s=40
